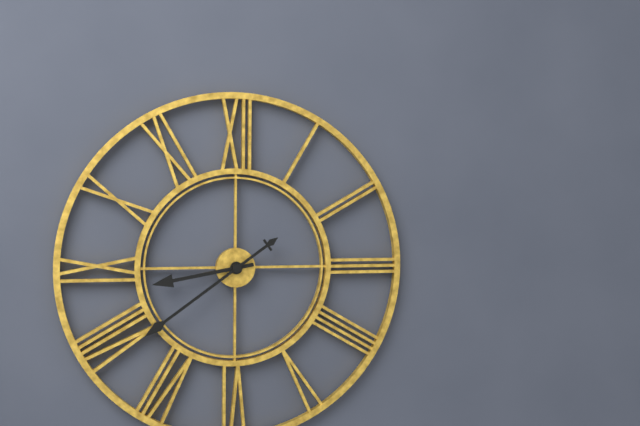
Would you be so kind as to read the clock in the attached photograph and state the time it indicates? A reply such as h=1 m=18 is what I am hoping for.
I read h=8 m=39
